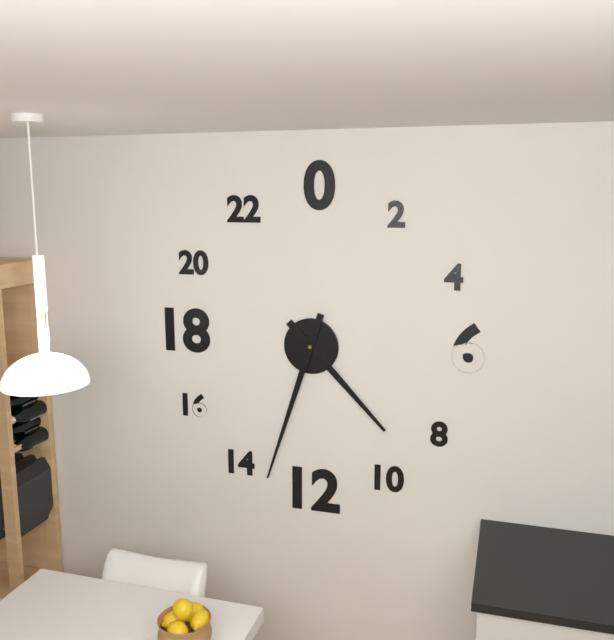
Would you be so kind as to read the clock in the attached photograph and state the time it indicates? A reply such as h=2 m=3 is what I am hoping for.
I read h=4 m=33
